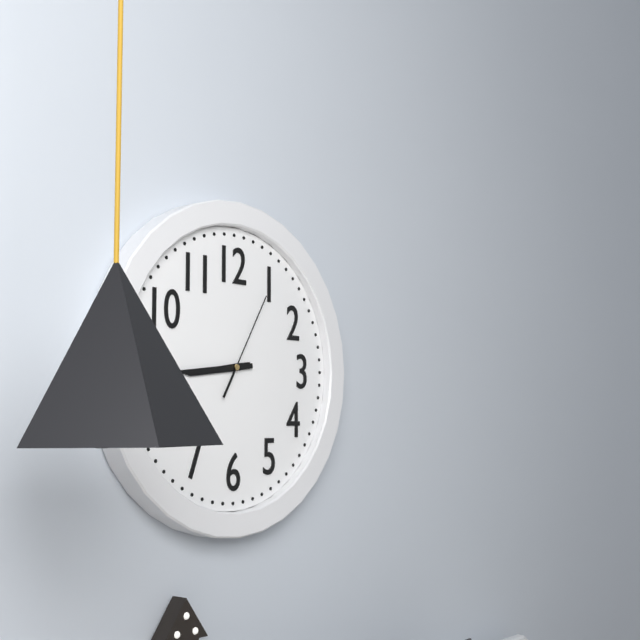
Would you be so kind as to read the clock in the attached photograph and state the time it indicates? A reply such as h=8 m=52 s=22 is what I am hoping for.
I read h=8 m=44 s=5
